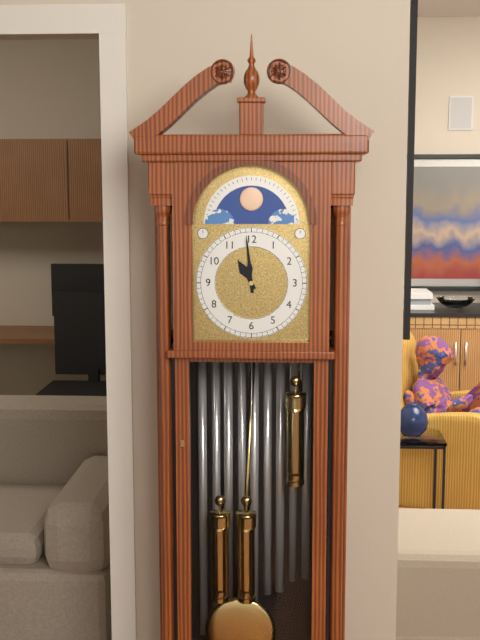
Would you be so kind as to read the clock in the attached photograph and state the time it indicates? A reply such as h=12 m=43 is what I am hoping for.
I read h=10 m=59
